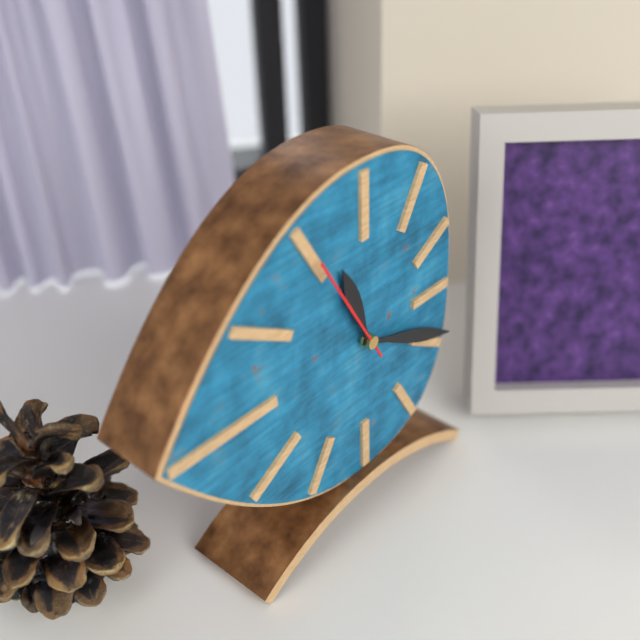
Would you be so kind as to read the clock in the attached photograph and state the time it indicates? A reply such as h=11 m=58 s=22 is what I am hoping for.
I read h=11 m=19 s=55
